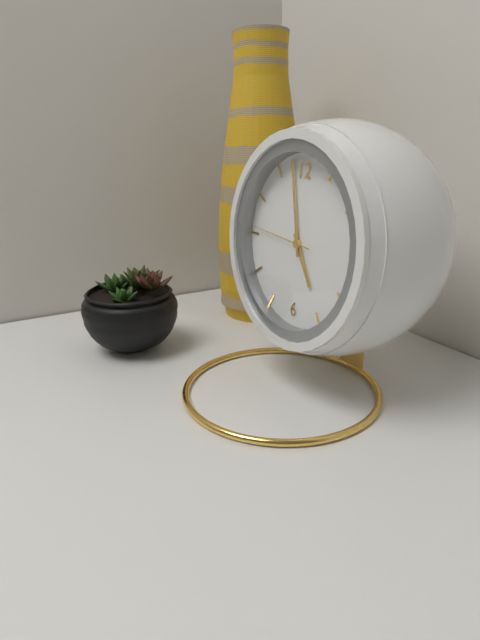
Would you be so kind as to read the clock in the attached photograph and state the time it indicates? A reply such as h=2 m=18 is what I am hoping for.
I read h=4 m=58
